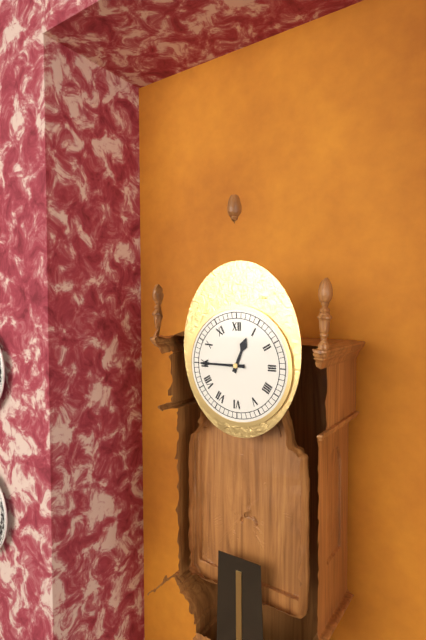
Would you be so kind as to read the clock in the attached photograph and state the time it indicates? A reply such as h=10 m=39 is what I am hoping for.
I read h=12 m=45
